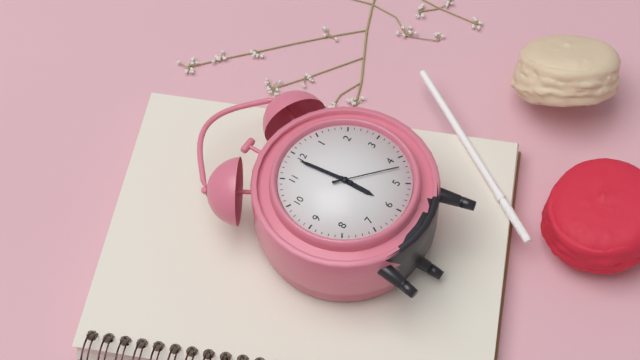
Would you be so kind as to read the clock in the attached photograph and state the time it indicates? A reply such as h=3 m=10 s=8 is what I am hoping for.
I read h=5 m=59 s=22
